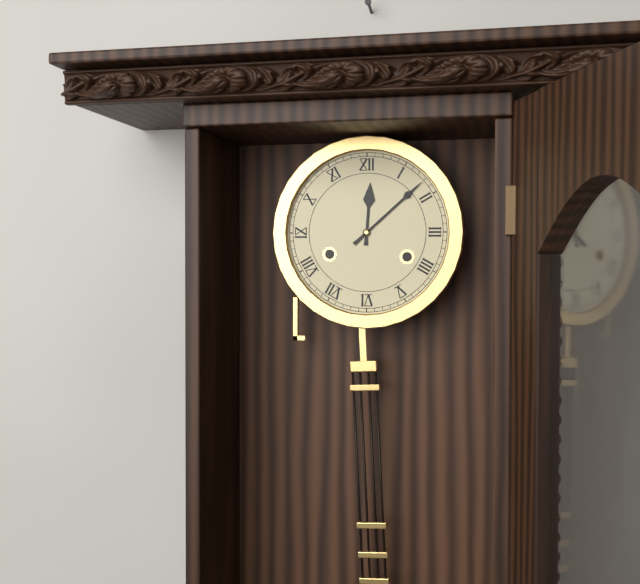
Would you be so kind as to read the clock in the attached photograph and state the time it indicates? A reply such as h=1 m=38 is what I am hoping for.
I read h=12 m=8
